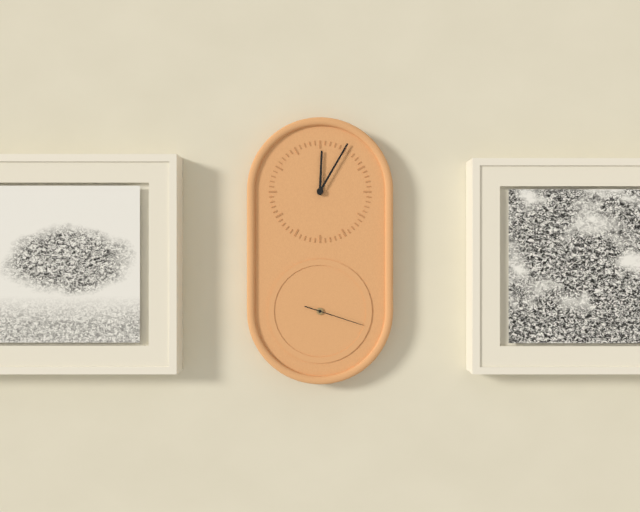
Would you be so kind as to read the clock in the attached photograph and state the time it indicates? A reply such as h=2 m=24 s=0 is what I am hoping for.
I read h=12 m=5 s=18
